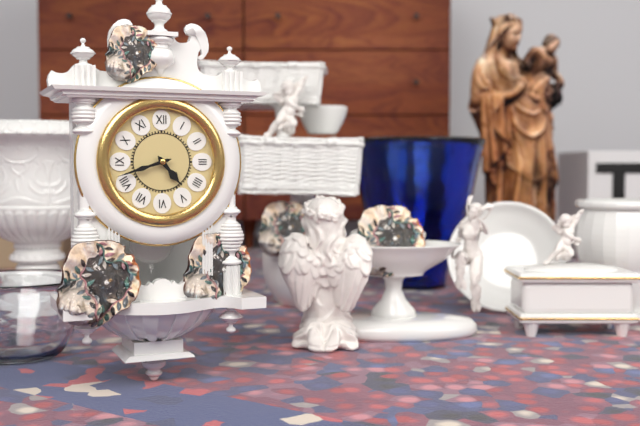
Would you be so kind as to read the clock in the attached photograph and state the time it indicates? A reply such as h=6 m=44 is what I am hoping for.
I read h=4 m=42
